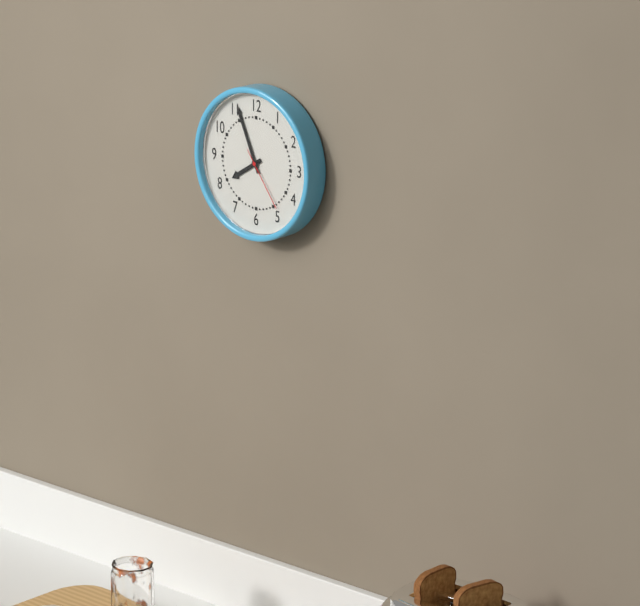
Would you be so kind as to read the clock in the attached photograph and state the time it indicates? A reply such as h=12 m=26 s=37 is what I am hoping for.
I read h=7 m=56 s=24
